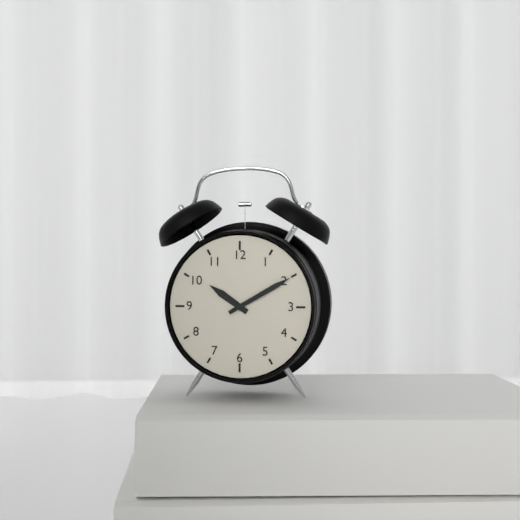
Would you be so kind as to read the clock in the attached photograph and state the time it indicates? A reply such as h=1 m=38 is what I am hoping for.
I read h=10 m=10
